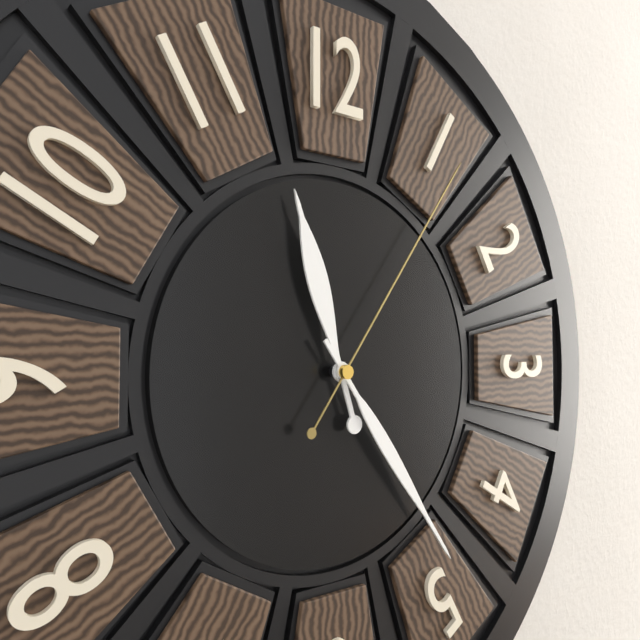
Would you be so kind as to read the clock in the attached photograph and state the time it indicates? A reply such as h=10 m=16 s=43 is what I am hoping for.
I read h=11 m=24 s=6
